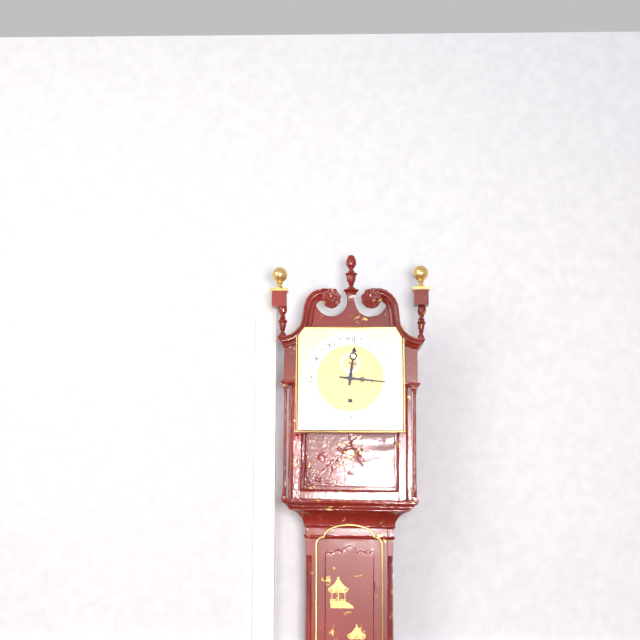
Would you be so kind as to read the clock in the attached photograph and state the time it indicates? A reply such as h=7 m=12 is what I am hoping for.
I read h=12 m=16
